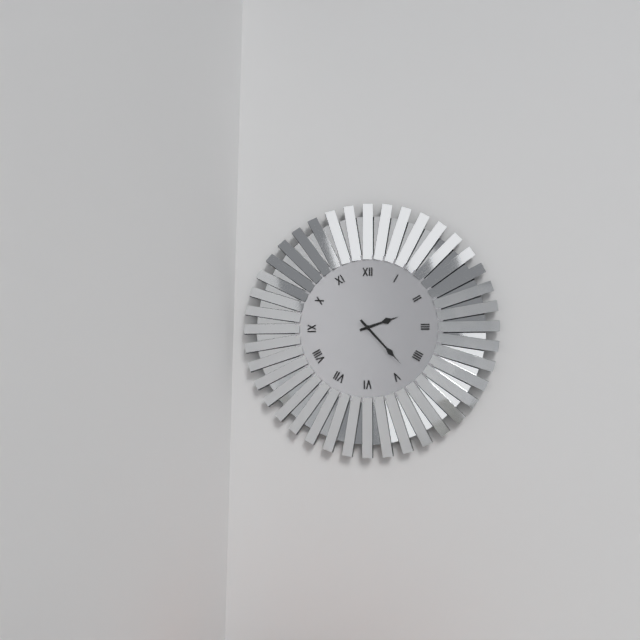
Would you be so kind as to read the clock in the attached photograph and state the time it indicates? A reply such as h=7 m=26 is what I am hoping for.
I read h=2 m=23
